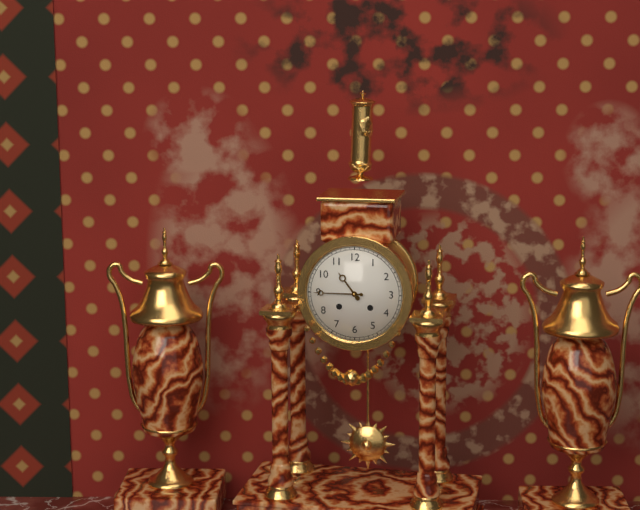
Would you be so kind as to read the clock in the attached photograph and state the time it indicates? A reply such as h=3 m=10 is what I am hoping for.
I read h=10 m=45
